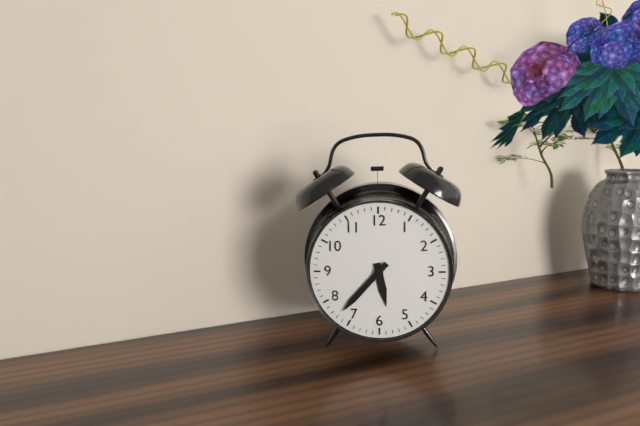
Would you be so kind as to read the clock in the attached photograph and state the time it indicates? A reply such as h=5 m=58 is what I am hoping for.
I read h=5 m=37
